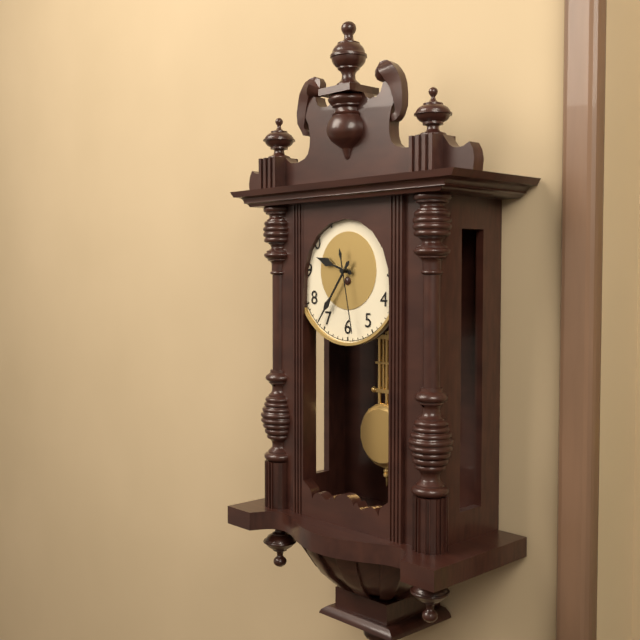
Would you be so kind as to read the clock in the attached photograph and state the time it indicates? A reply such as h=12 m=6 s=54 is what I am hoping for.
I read h=9 m=36 s=28
